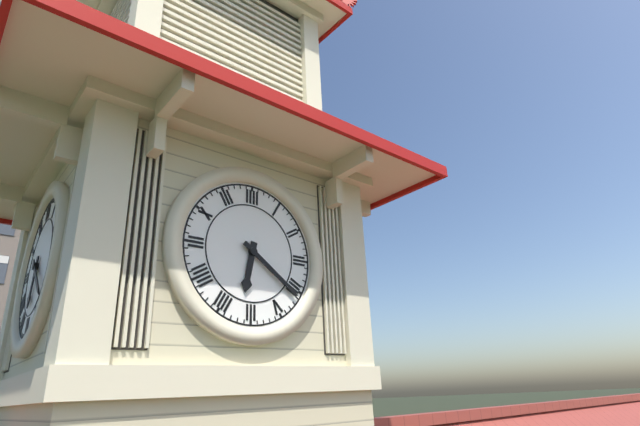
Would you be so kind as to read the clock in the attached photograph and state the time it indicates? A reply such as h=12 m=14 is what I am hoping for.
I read h=6 m=21
